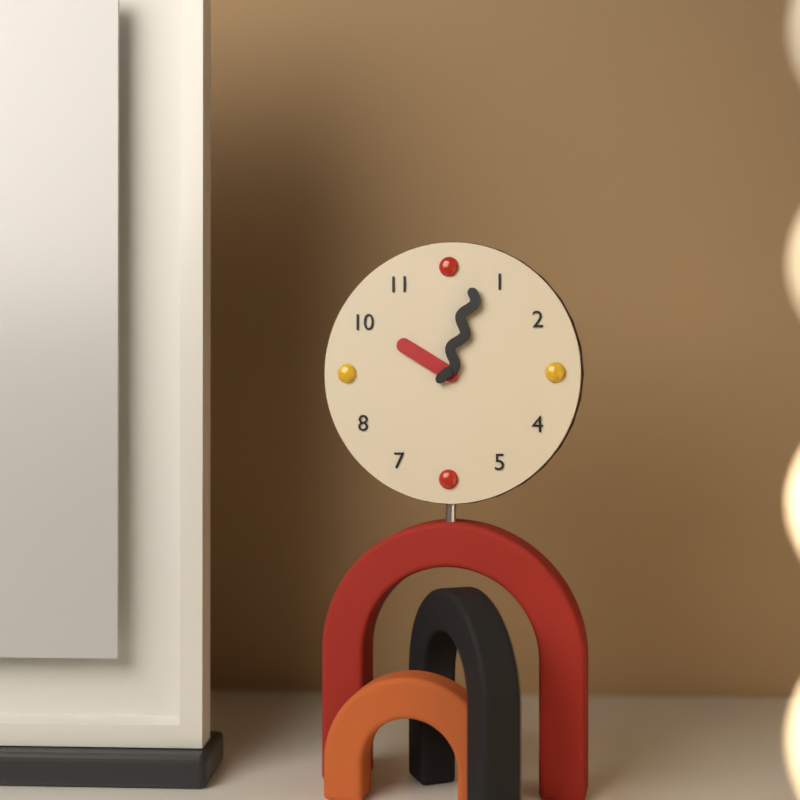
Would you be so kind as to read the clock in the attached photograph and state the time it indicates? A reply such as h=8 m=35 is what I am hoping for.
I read h=10 m=3
